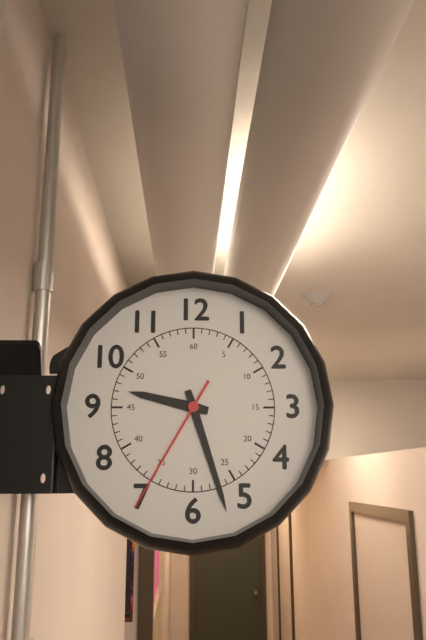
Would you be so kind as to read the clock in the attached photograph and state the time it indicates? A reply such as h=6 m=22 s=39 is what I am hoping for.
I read h=9 m=27 s=35
